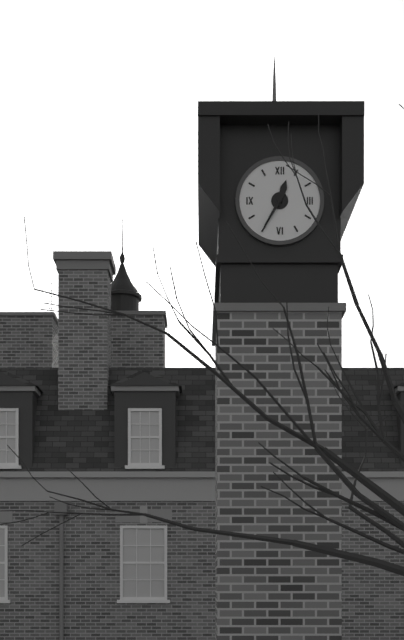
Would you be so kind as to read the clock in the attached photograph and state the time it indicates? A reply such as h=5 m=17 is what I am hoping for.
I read h=12 m=35
